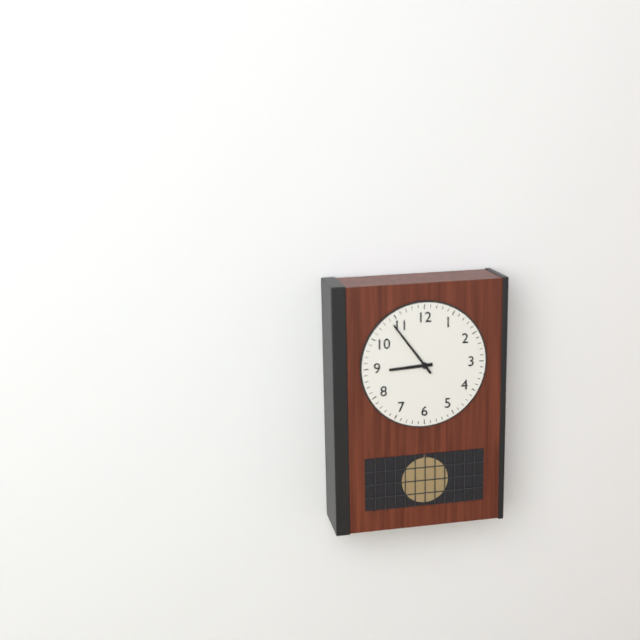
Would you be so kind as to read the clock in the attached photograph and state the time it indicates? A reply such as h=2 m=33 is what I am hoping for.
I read h=8 m=54
